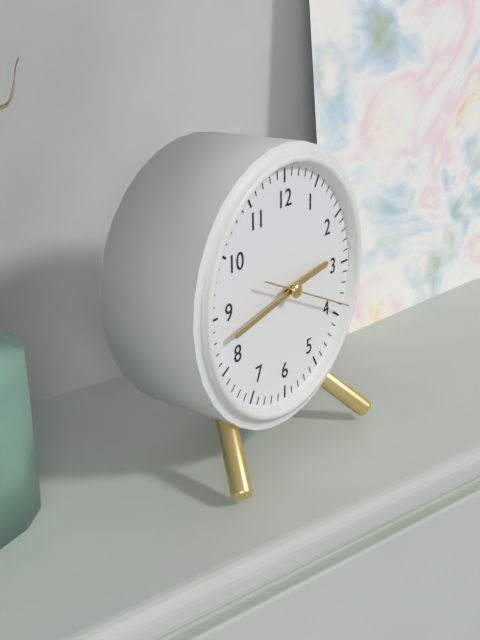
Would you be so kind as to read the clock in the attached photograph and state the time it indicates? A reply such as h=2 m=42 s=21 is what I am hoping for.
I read h=2 m=43 s=19
